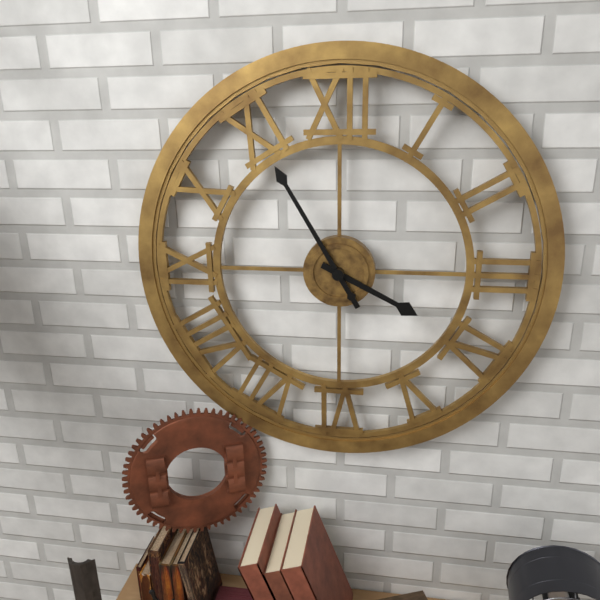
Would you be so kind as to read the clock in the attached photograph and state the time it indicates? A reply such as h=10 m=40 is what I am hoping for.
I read h=3 m=55
